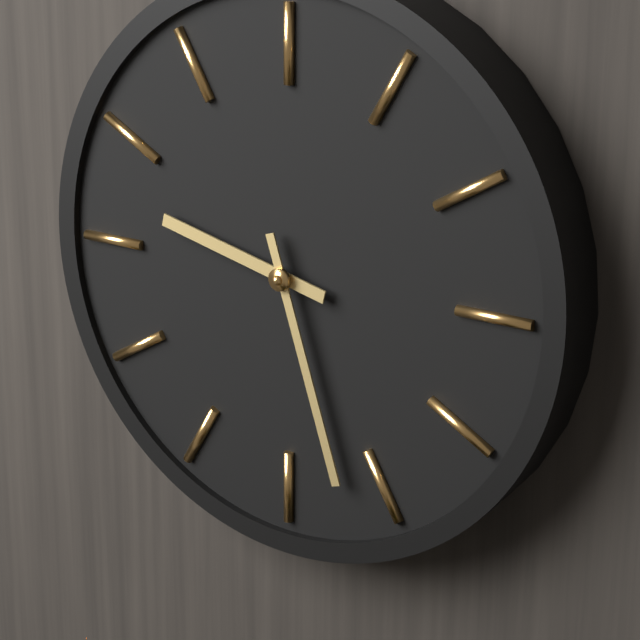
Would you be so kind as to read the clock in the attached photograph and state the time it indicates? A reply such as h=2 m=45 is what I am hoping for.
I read h=9 m=27
